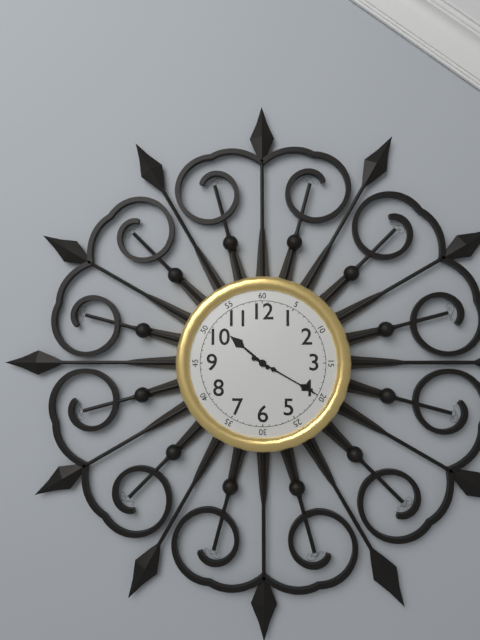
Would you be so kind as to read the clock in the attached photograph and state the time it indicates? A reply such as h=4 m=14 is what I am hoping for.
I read h=10 m=20
